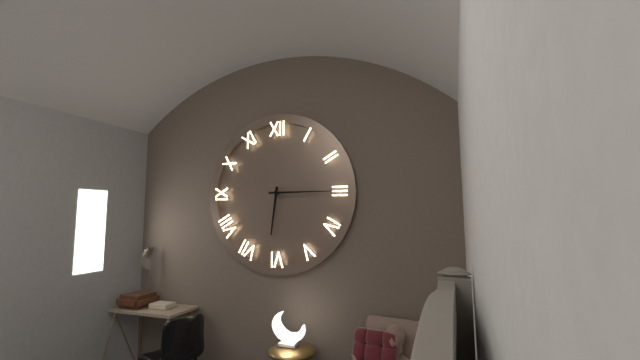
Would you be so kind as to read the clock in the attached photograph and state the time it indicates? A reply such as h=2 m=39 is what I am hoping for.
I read h=6 m=15
